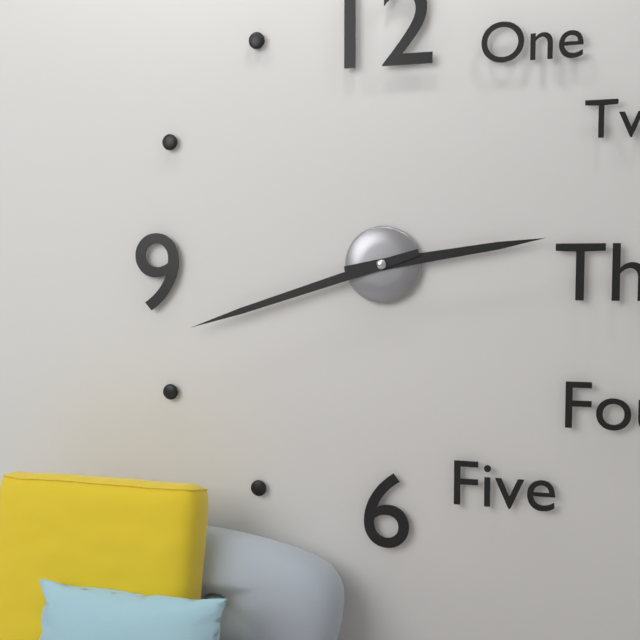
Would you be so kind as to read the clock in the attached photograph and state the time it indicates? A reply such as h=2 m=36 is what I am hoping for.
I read h=2 m=42
